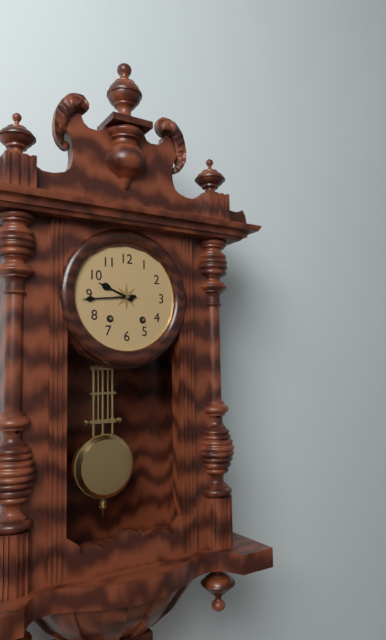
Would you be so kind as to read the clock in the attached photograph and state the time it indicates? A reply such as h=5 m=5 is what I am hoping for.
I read h=9 m=44
